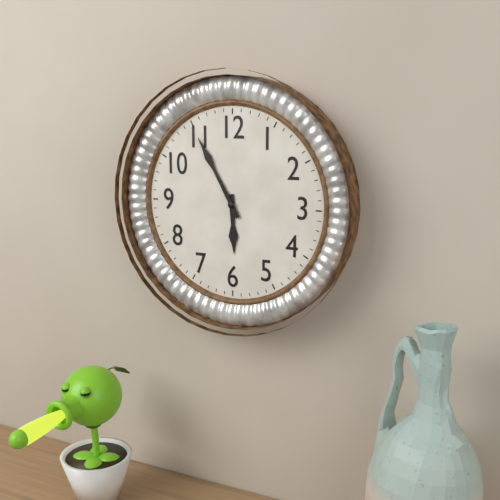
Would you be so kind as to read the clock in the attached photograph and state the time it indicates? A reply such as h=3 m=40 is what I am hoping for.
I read h=5 m=55
